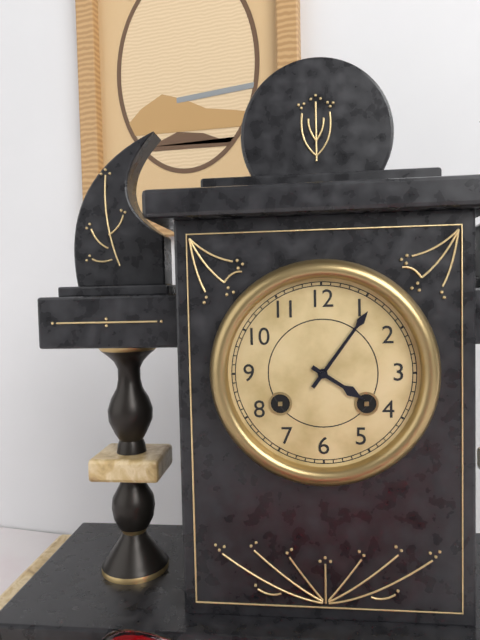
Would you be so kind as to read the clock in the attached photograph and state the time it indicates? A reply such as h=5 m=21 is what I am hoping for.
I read h=4 m=6
